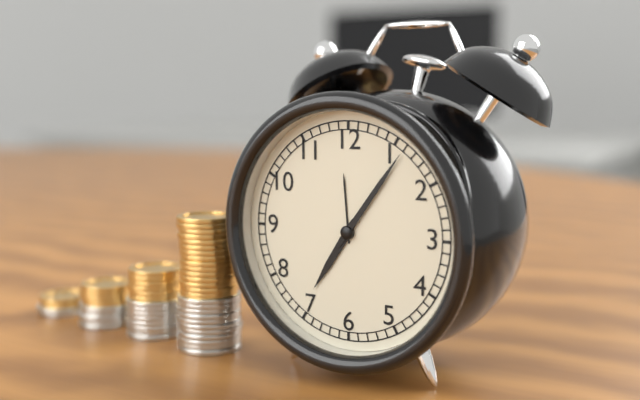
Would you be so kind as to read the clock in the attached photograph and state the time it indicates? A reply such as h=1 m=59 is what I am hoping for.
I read h=7 m=6
